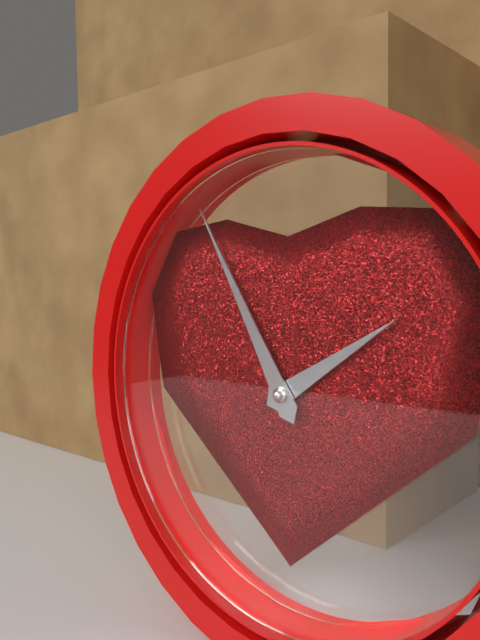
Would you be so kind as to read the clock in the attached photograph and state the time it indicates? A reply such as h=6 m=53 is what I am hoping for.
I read h=1 m=55
